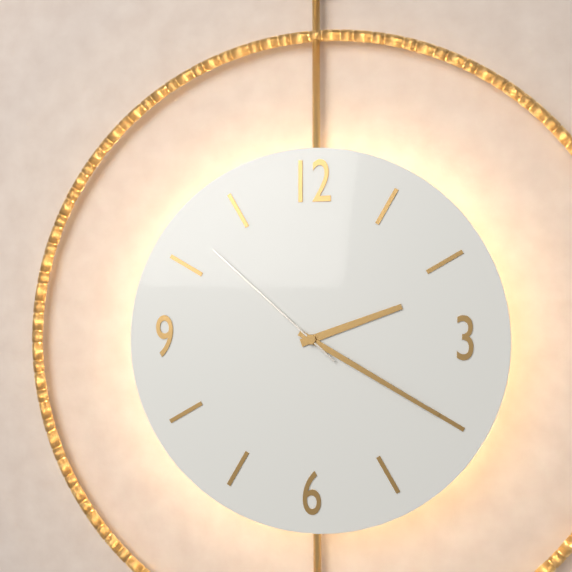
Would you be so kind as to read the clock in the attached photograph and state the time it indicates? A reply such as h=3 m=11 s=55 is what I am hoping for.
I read h=2 m=20 s=52
